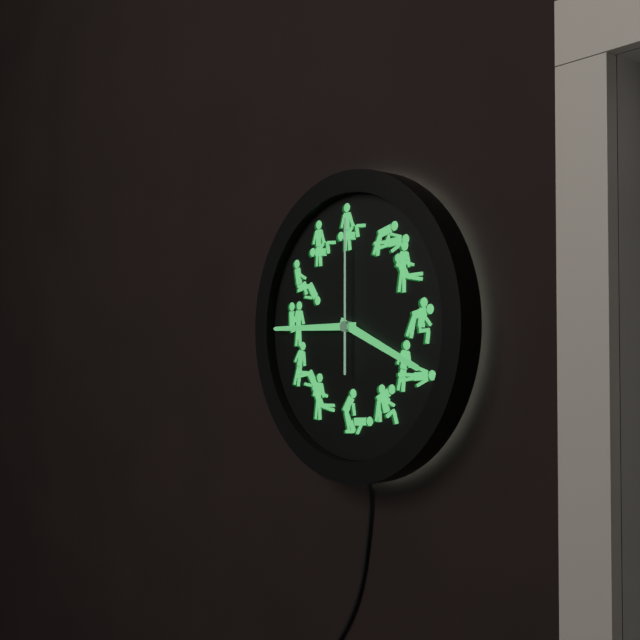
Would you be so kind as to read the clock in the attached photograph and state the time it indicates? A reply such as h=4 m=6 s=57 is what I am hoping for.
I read h=3 m=45 s=0
